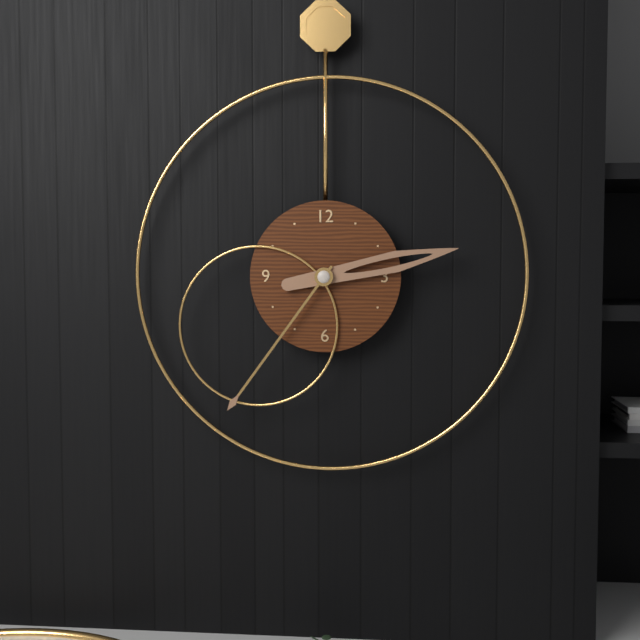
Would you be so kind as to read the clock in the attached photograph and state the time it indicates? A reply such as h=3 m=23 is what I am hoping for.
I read h=2 m=36
